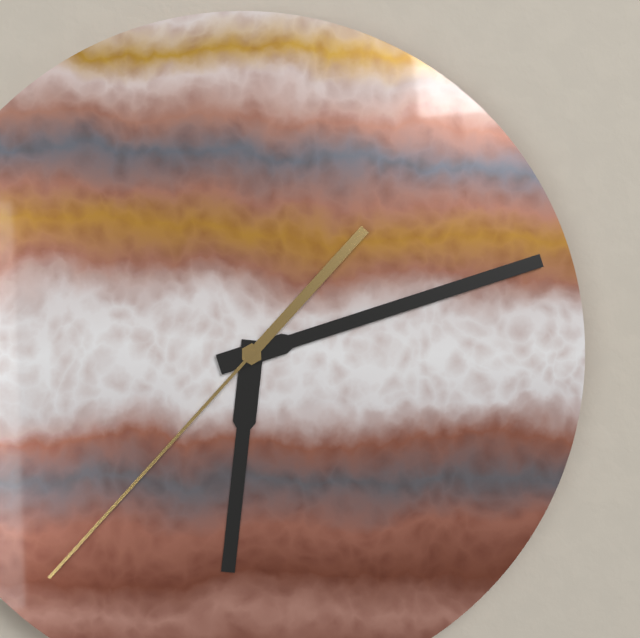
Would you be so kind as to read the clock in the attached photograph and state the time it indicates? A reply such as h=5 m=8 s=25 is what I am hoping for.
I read h=6 m=12 s=37
